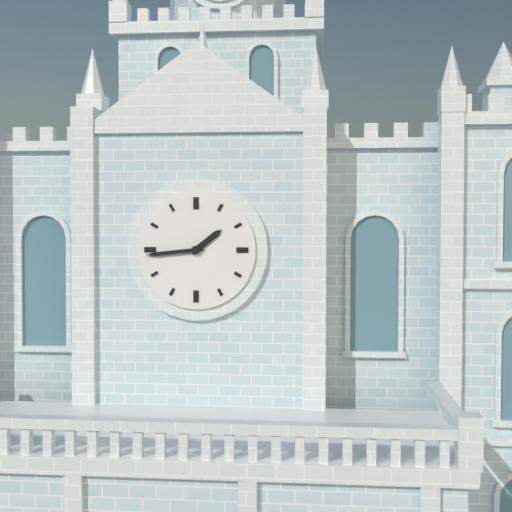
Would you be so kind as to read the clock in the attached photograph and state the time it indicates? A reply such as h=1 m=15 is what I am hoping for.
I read h=1 m=44
